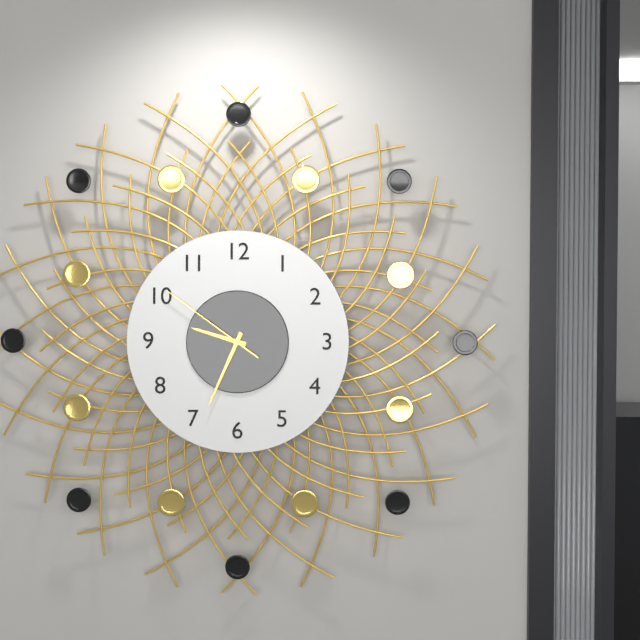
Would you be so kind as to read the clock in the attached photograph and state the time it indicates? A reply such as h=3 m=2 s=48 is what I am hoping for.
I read h=9 m=34 s=51
